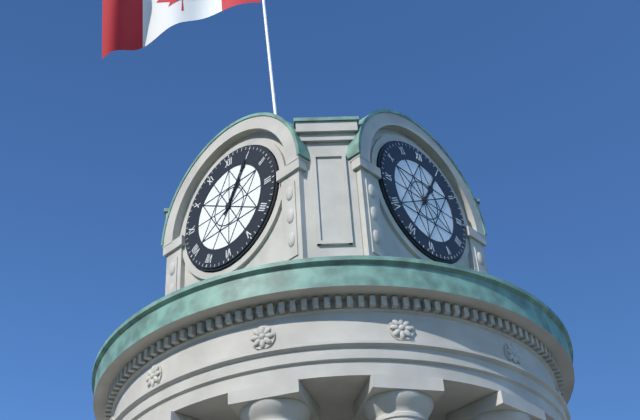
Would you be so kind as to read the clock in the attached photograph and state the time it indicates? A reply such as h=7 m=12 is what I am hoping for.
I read h=1 m=5
